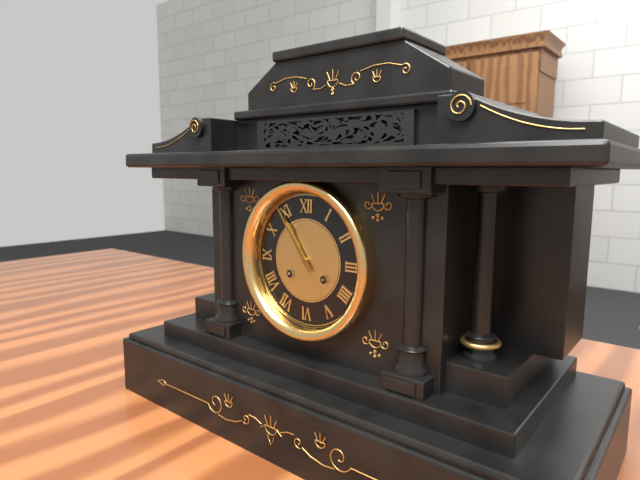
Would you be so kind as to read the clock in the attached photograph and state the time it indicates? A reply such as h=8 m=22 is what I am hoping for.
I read h=10 m=54
